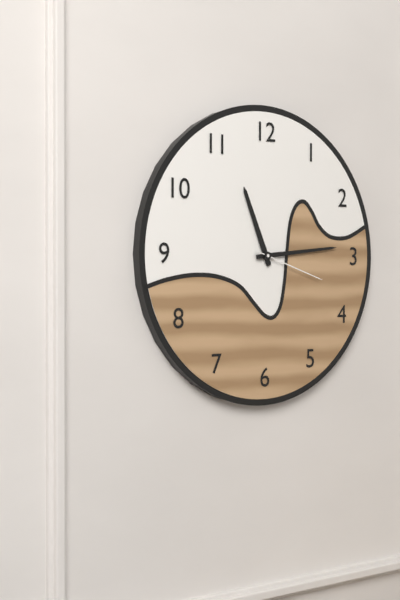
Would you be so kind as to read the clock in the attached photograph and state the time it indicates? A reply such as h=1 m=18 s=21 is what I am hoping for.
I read h=11 m=14 s=18
